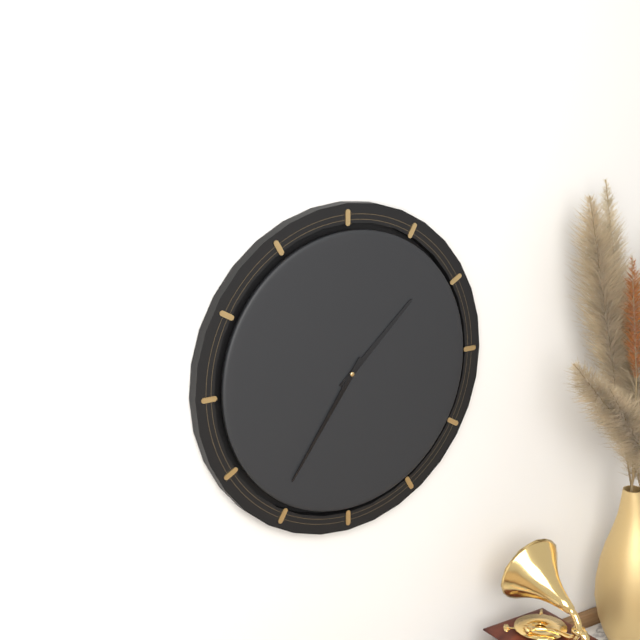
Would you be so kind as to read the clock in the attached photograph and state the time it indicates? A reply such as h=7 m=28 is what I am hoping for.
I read h=1 m=36
